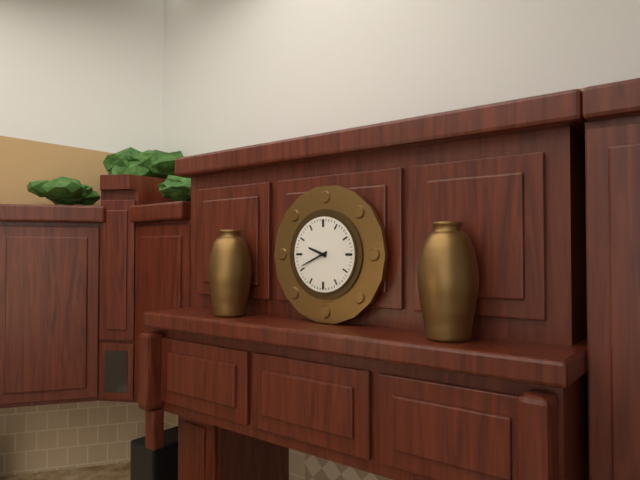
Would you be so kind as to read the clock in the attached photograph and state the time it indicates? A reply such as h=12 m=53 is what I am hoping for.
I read h=9 m=41
